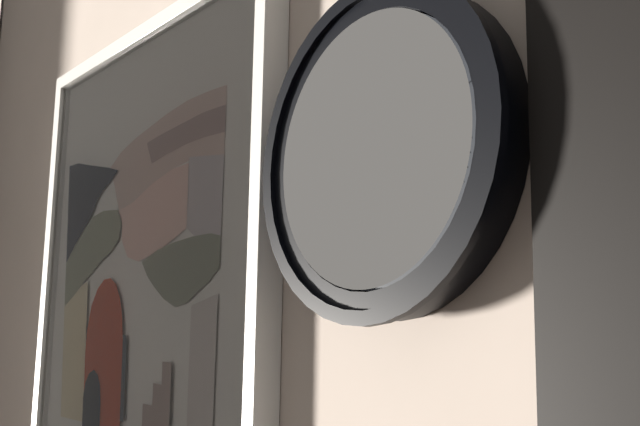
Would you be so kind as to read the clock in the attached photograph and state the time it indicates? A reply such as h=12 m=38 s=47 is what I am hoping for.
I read h=5 m=27 s=12
